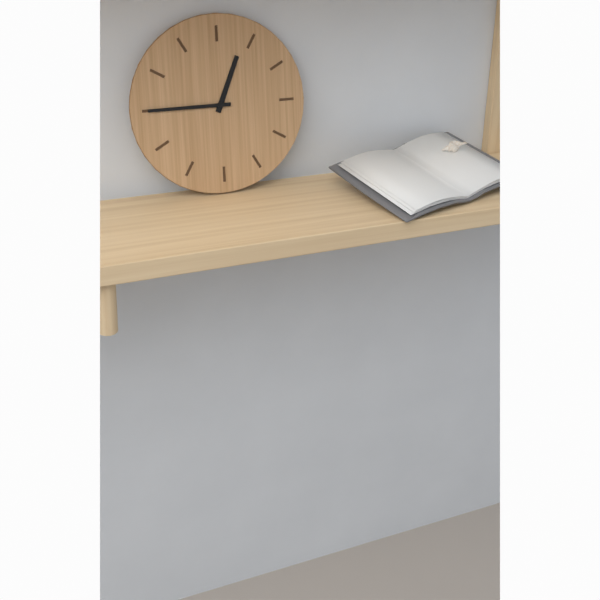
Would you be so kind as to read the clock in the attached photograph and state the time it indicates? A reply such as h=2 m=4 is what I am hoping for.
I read h=12 m=45
